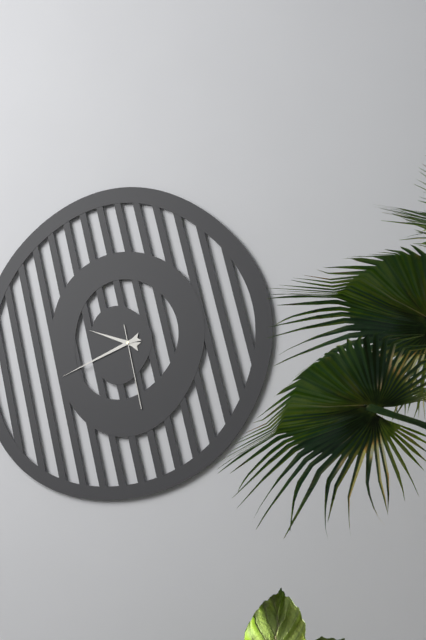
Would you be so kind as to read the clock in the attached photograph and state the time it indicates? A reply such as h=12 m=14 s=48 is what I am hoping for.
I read h=9 m=41 s=28
